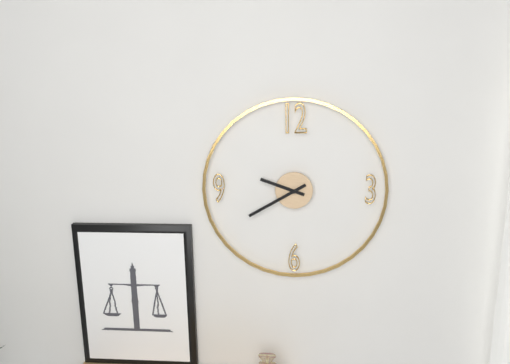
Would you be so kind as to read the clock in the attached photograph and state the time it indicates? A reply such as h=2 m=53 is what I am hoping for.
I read h=9 m=40
